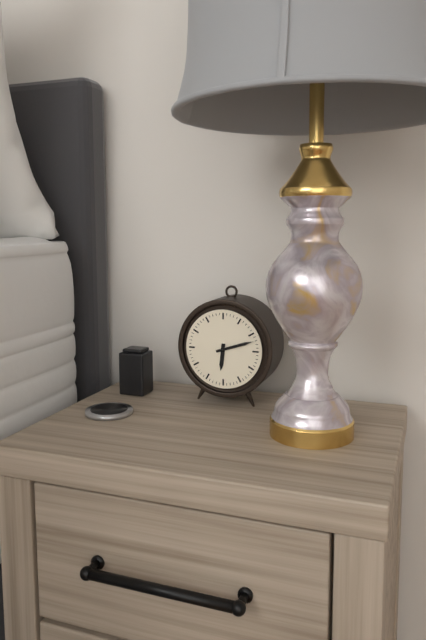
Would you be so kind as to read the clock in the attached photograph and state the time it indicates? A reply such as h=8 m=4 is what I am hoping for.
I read h=6 m=12
